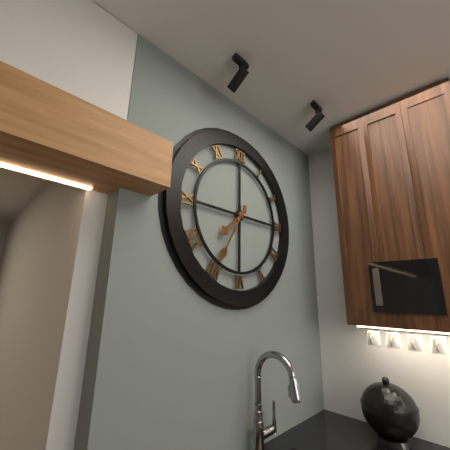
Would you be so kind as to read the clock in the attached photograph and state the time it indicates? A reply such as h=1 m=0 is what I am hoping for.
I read h=7 m=35
